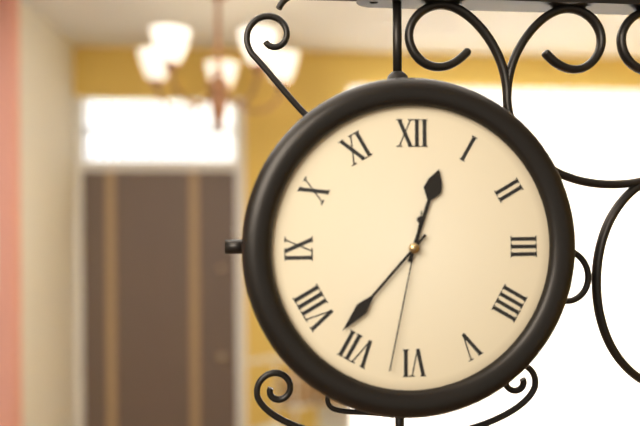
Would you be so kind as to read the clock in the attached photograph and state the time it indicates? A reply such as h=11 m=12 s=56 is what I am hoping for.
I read h=12 m=37 s=32
